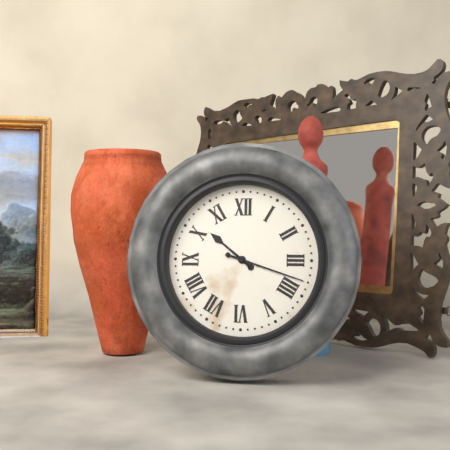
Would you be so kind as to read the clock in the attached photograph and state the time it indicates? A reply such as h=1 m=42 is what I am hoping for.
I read h=10 m=18
